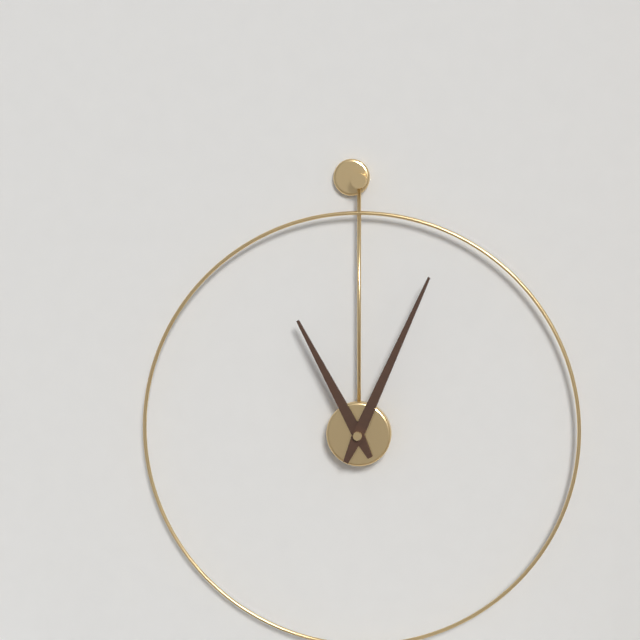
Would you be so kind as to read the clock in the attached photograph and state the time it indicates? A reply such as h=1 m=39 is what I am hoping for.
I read h=11 m=4
